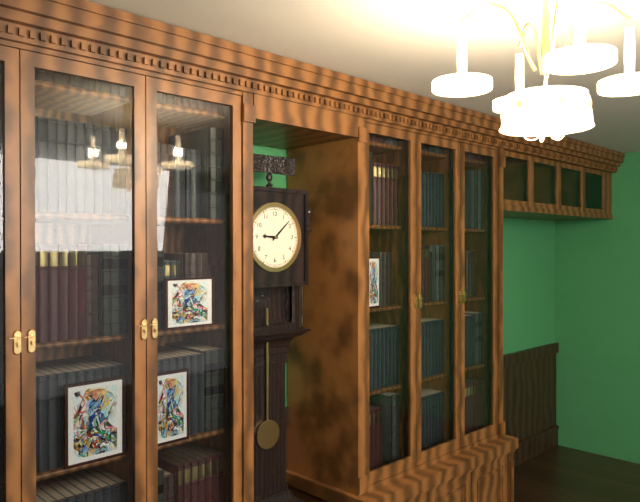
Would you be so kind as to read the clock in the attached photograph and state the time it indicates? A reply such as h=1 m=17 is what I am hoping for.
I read h=9 m=8
